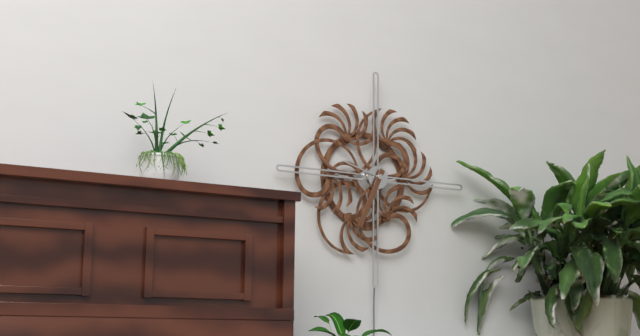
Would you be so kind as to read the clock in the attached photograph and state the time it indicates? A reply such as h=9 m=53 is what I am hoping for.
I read h=9 m=34
